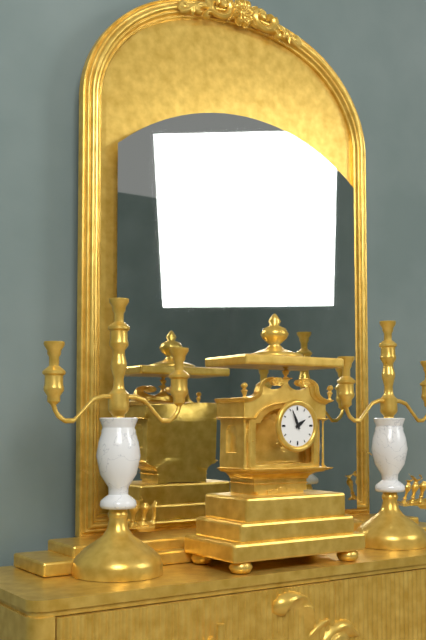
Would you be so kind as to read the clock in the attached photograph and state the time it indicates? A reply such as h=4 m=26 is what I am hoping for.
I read h=1 m=56
